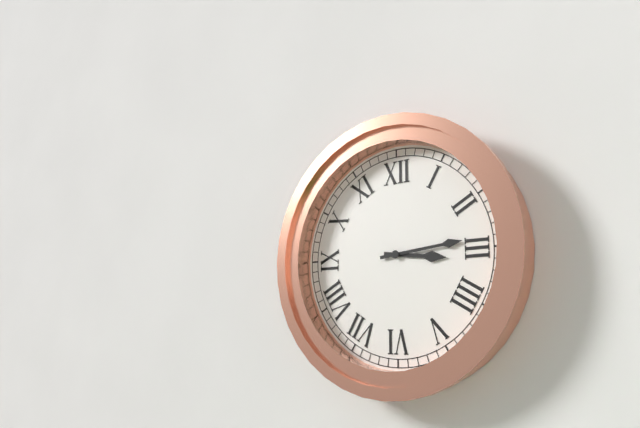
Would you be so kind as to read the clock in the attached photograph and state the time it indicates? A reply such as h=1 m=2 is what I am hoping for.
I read h=3 m=14
